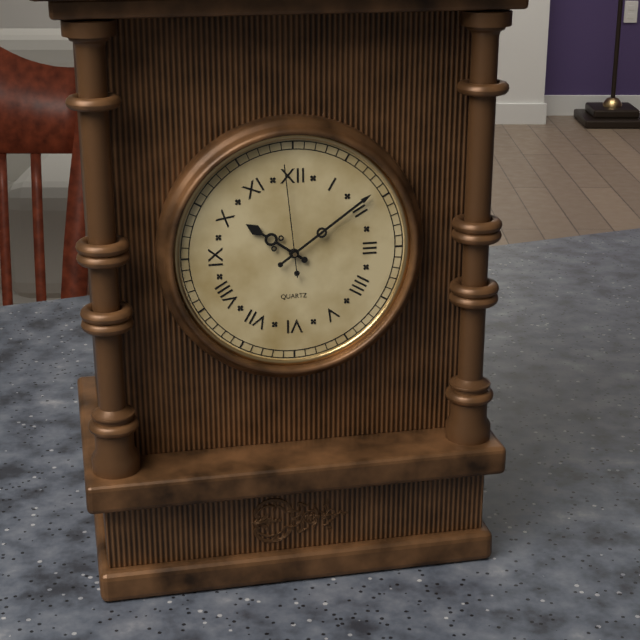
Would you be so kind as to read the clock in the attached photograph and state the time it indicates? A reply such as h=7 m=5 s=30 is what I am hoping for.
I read h=10 m=9 s=59
